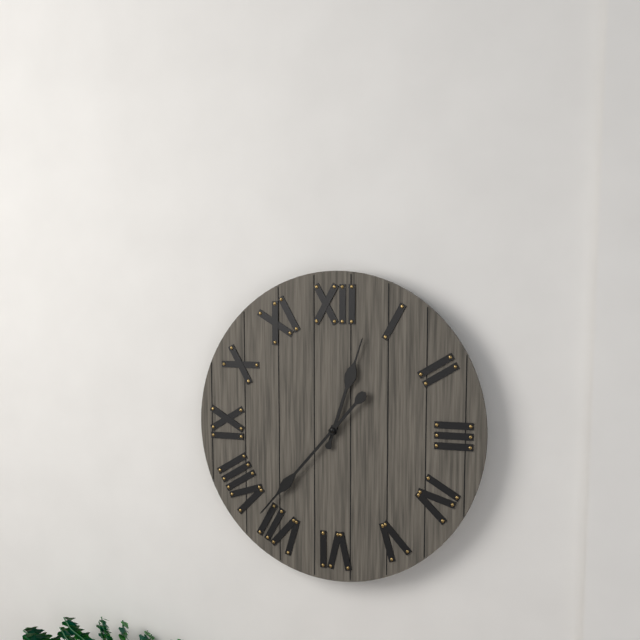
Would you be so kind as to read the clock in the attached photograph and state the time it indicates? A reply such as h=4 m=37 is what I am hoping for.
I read h=12 m=37
